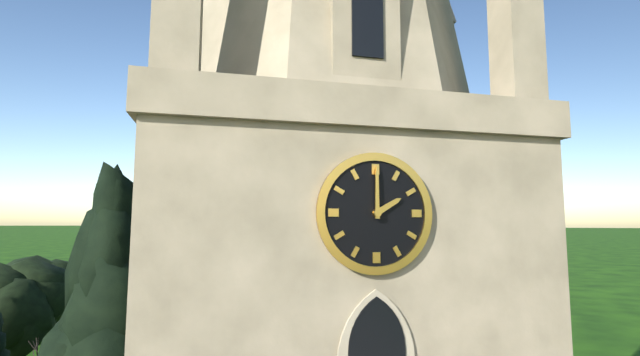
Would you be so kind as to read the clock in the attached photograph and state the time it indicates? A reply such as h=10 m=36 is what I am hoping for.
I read h=2 m=0
